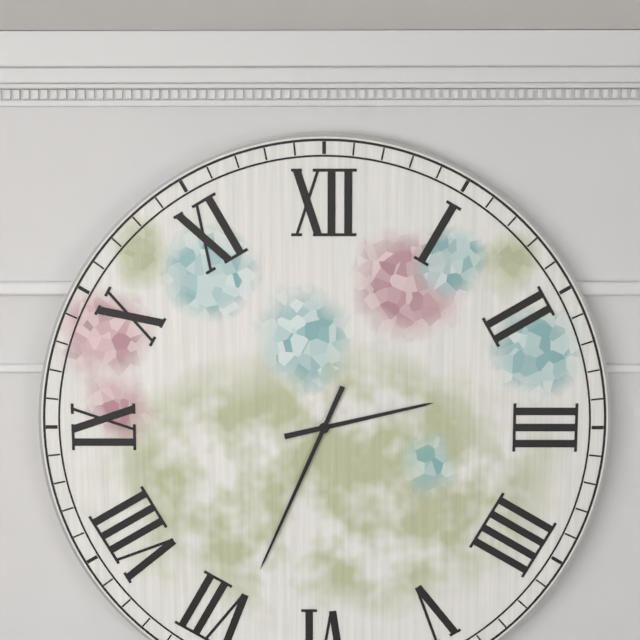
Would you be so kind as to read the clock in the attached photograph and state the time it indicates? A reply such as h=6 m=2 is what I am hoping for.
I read h=2 m=34
